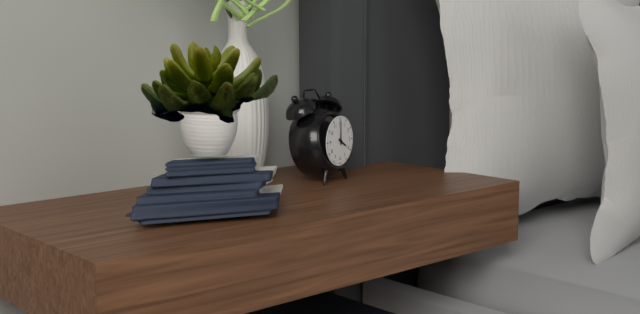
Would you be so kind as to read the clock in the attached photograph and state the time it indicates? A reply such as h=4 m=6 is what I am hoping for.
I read h=4 m=0
